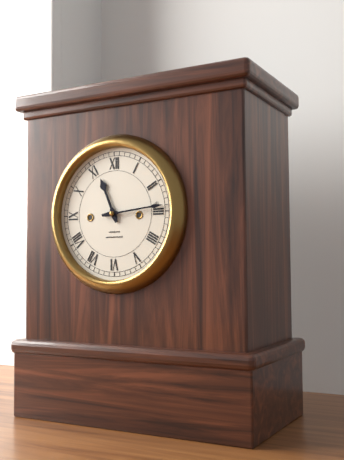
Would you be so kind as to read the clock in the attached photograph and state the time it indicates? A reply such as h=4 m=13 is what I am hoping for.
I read h=11 m=14
